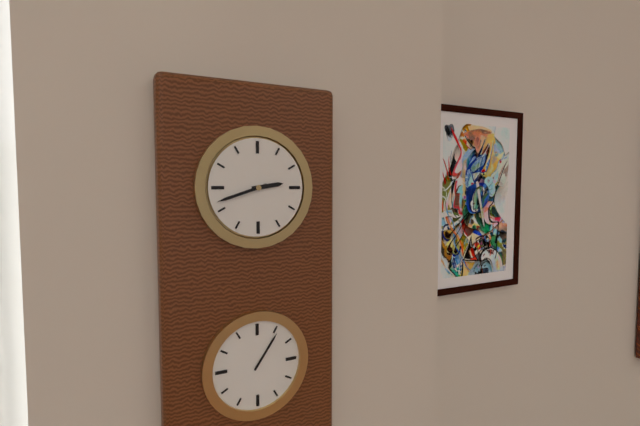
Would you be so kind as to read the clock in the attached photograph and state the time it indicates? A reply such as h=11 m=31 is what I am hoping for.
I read h=2 m=42
